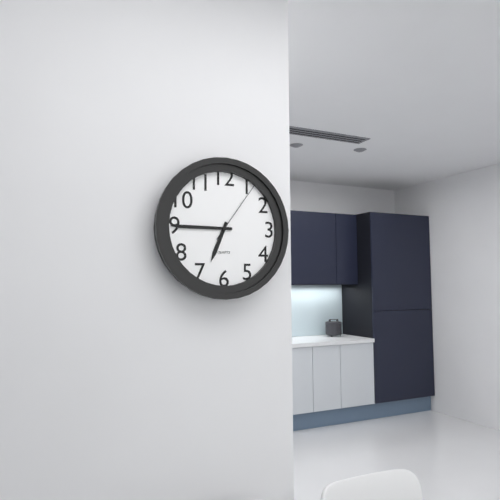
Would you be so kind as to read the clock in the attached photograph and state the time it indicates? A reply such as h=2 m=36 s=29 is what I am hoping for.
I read h=6 m=45 s=6
